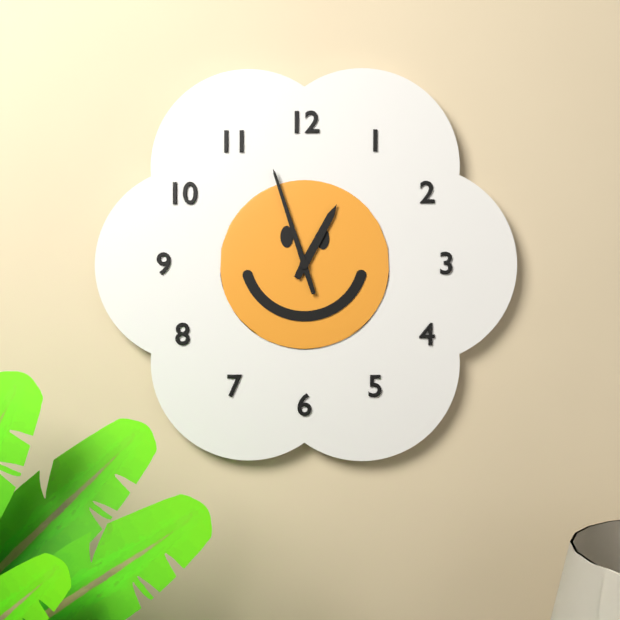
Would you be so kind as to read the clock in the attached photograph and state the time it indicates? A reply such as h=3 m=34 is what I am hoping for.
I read h=12 m=57
